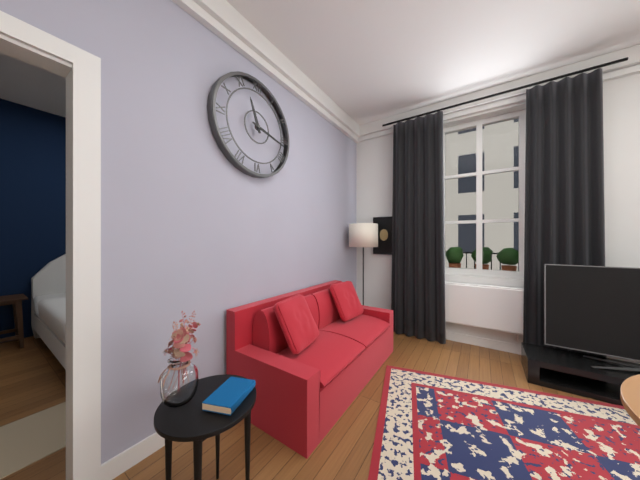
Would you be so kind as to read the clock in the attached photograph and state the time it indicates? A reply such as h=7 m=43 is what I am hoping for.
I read h=11 m=17
